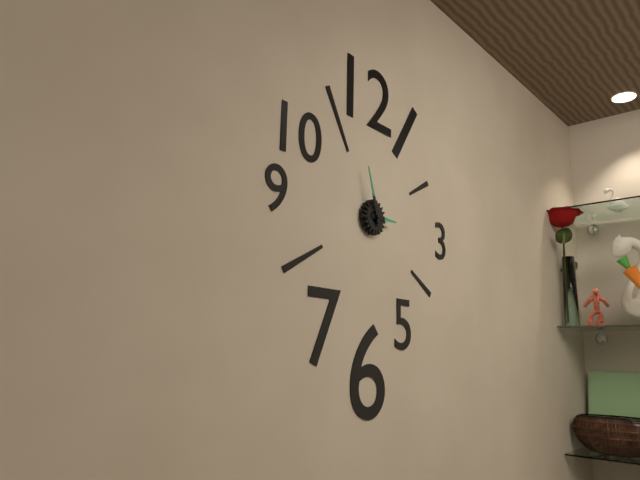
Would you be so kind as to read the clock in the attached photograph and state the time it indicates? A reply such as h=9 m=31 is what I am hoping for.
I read h=2 m=57
